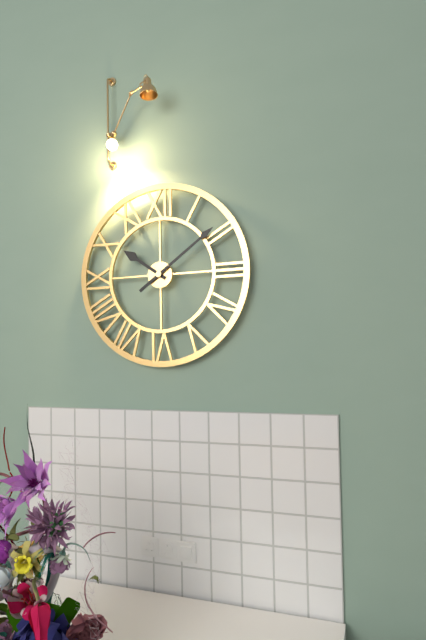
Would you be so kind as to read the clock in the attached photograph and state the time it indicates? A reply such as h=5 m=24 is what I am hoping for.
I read h=10 m=9
